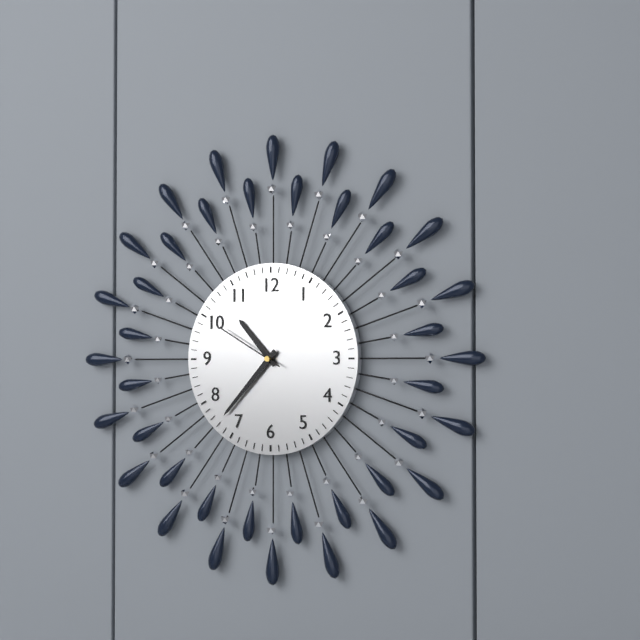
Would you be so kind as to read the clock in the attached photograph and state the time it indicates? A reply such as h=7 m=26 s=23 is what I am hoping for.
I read h=10 m=37 s=50
